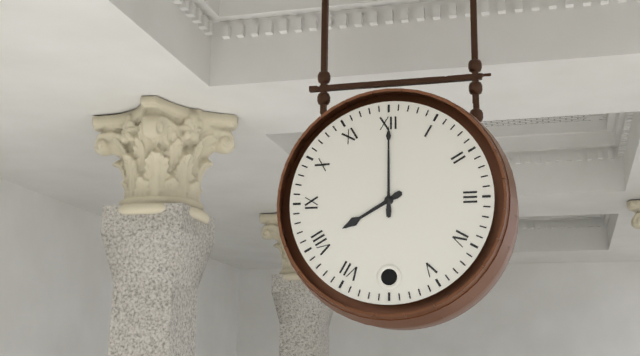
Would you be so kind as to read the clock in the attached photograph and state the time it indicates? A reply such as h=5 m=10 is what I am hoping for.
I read h=8 m=0
